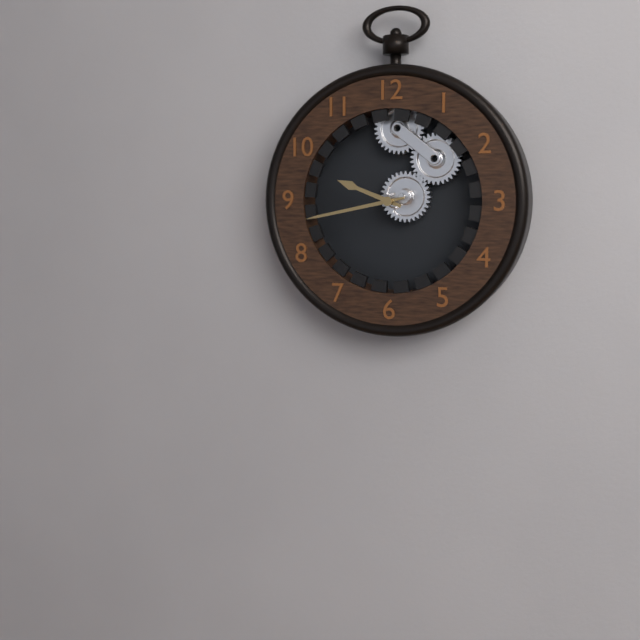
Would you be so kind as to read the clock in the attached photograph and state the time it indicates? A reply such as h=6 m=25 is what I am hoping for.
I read h=9 m=43
